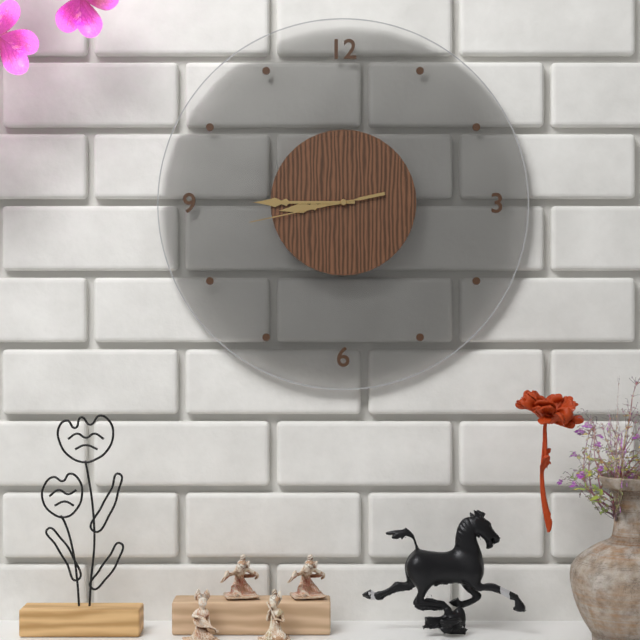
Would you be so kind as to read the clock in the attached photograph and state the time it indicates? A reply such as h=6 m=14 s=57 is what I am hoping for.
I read h=8 m=45 s=43
